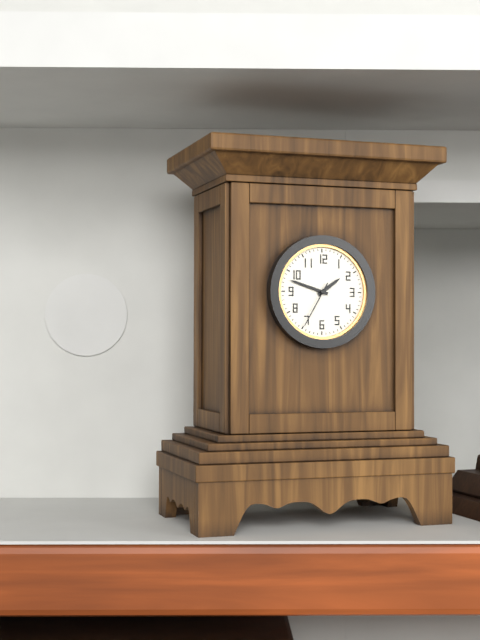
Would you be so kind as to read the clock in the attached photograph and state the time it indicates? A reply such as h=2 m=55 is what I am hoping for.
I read h=1 m=48
